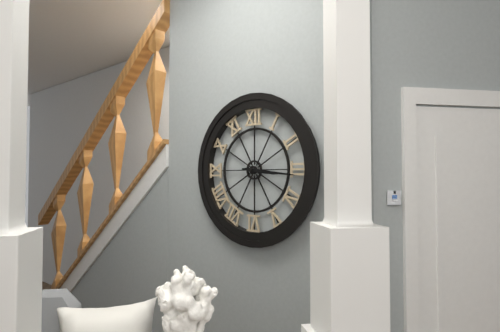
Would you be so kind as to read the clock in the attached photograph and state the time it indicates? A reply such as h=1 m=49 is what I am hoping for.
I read h=3 m=16
